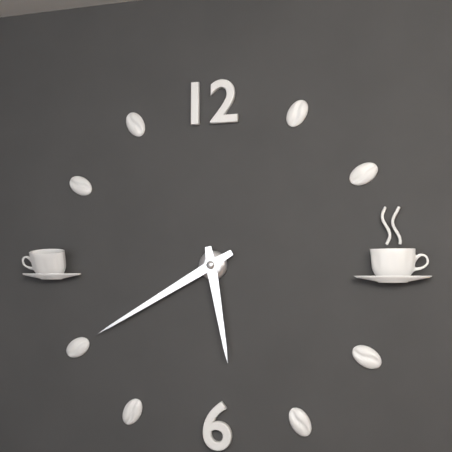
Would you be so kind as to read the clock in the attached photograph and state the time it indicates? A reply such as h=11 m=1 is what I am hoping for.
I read h=5 m=40
